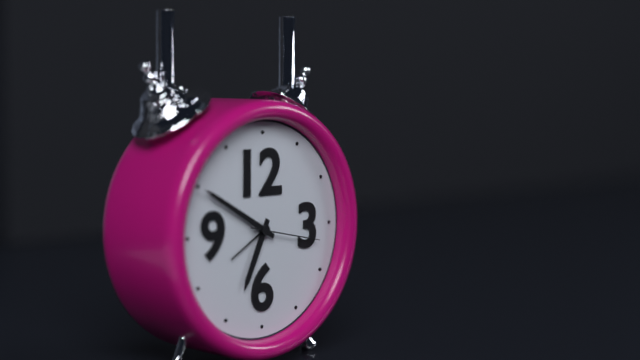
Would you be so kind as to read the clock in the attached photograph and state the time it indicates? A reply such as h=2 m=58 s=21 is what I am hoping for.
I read h=6 m=50 s=17
